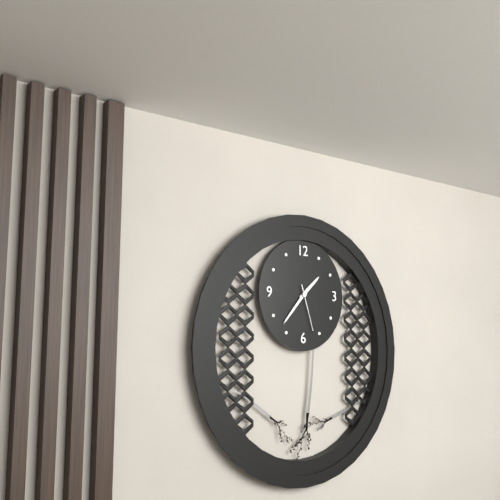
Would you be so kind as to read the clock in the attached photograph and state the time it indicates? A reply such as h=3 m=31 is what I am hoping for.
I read h=1 m=37
